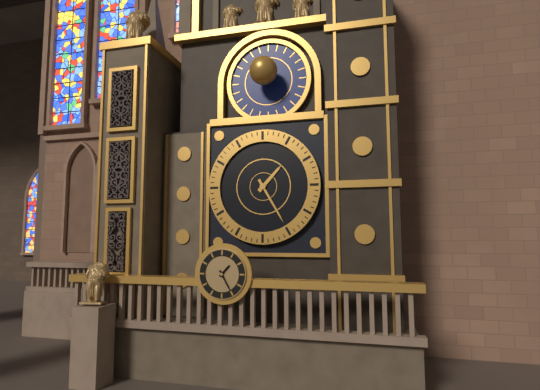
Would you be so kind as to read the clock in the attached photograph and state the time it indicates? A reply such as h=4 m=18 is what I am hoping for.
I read h=1 m=25
